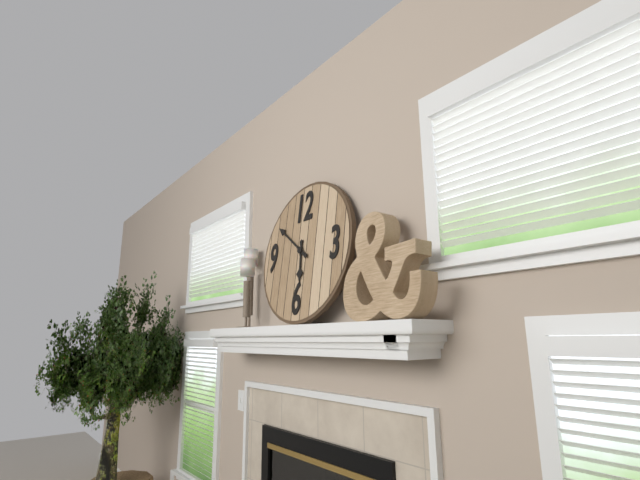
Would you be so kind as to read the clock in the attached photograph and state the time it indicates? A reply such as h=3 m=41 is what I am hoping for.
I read h=5 m=51
